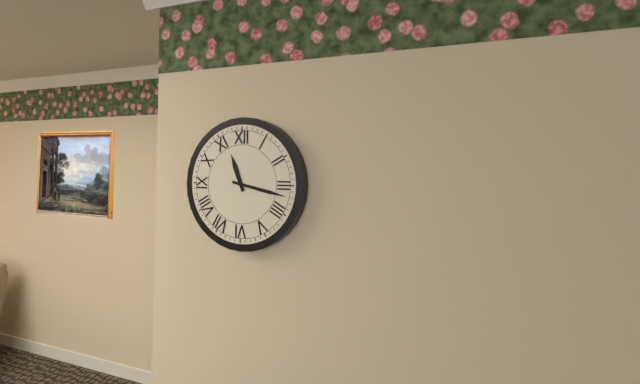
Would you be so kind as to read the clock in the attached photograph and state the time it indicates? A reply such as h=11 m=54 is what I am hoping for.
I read h=11 m=17
